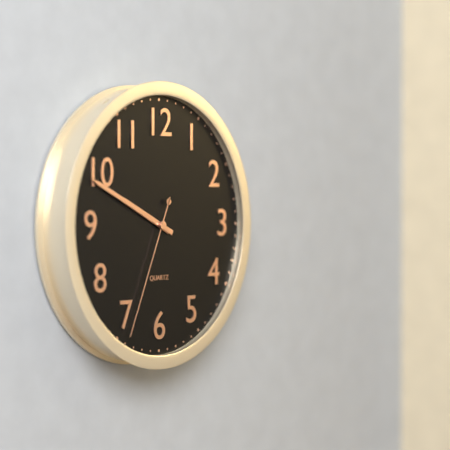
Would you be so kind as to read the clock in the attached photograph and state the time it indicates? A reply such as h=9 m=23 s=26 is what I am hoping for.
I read h=9 m=49 s=34
